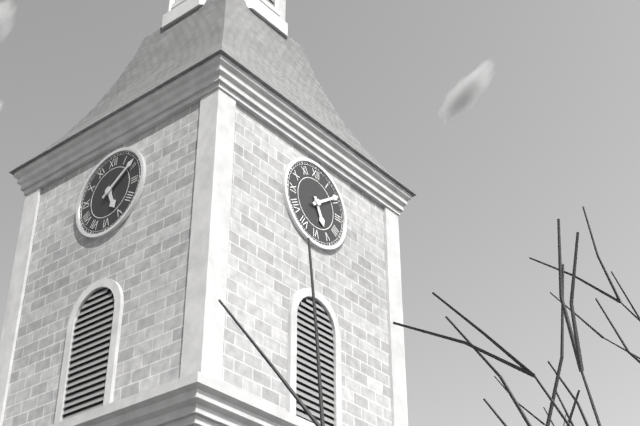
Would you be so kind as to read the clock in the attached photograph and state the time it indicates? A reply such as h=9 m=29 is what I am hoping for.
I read h=5 m=9
